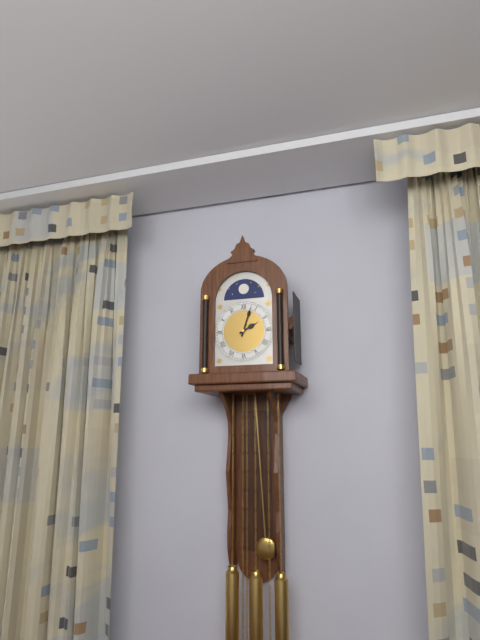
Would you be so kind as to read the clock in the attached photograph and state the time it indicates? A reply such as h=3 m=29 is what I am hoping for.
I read h=2 m=3
